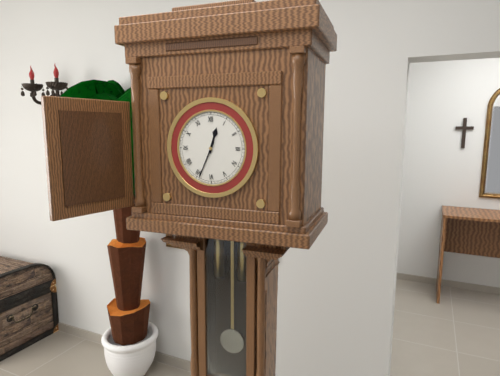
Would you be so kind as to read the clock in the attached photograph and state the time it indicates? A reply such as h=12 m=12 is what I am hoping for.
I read h=12 m=34
